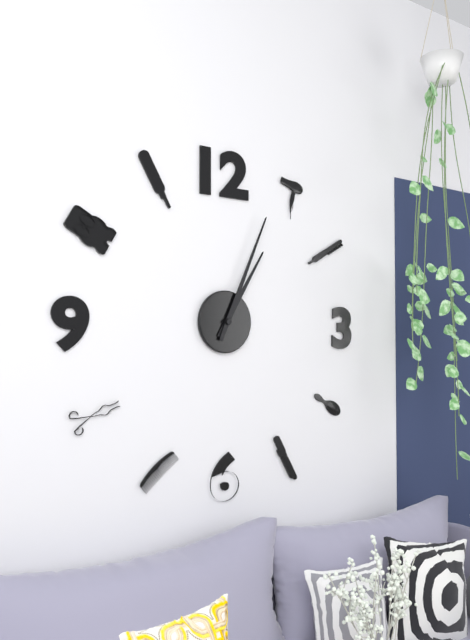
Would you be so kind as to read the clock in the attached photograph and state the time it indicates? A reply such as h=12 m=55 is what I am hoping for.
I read h=1 m=4
